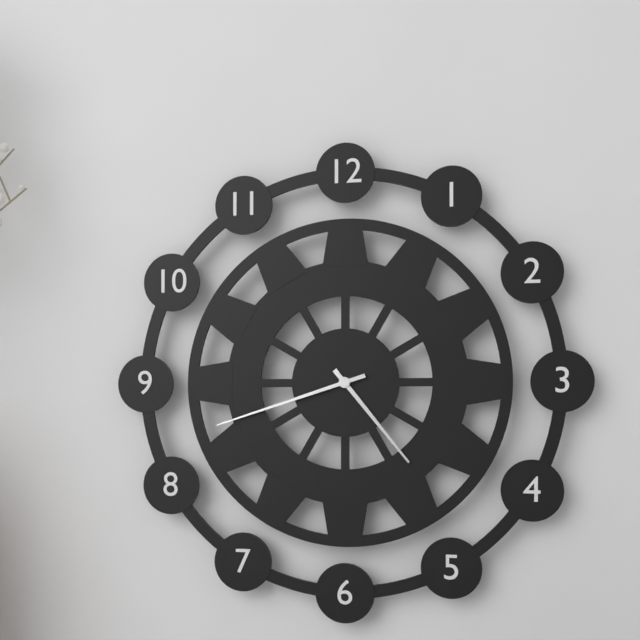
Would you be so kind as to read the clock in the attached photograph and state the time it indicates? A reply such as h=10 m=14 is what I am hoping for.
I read h=4 m=42
